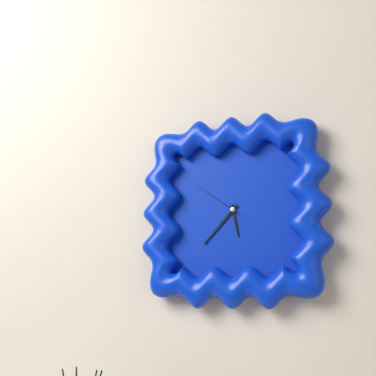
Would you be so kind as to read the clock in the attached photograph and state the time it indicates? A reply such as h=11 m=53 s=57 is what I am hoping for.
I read h=5 m=37 s=51
